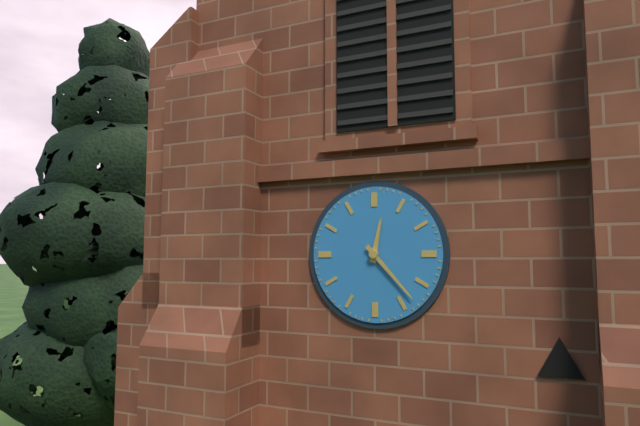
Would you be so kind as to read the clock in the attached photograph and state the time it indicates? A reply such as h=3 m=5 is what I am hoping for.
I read h=12 m=23
